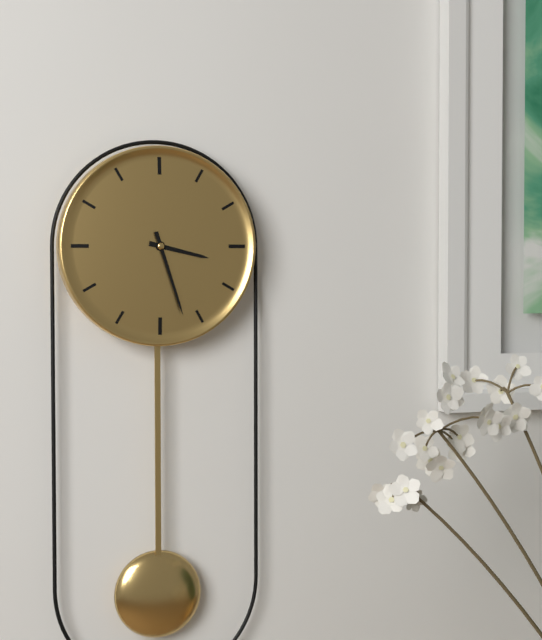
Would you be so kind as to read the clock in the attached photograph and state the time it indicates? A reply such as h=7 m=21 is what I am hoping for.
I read h=3 m=27
